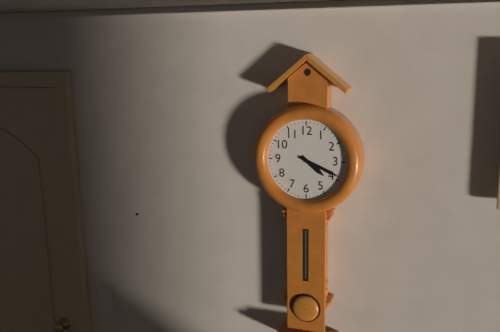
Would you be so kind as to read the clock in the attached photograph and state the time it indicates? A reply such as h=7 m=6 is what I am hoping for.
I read h=4 m=19
